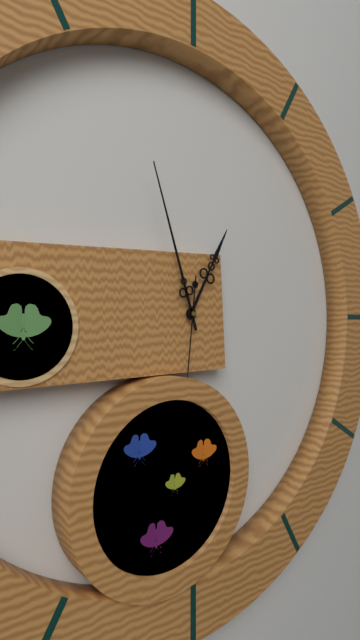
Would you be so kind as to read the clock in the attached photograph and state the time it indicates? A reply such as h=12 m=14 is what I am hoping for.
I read h=12 m=57
